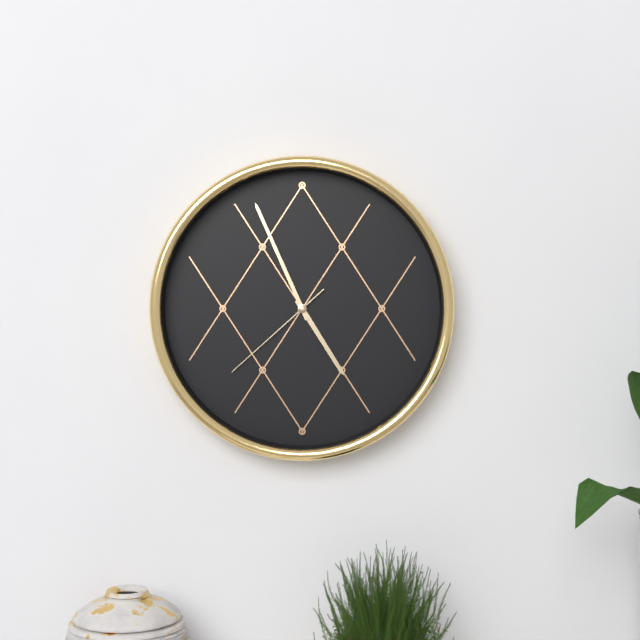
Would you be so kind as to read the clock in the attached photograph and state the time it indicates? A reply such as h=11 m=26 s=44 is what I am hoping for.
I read h=4 m=56 s=38
